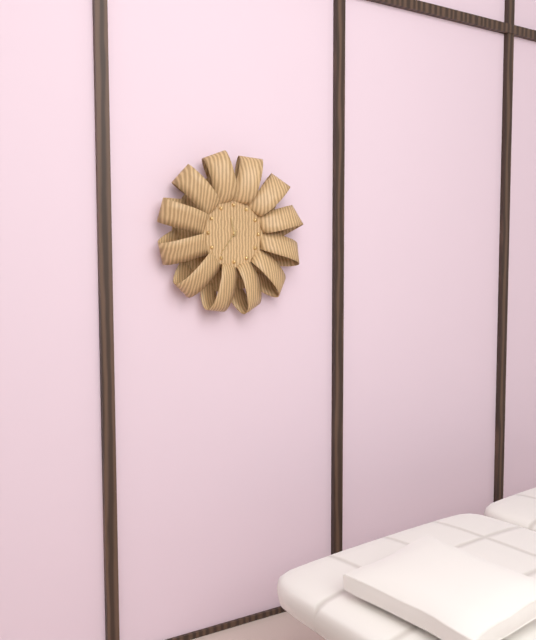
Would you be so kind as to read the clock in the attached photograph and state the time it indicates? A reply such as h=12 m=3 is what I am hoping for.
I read h=11 m=36
